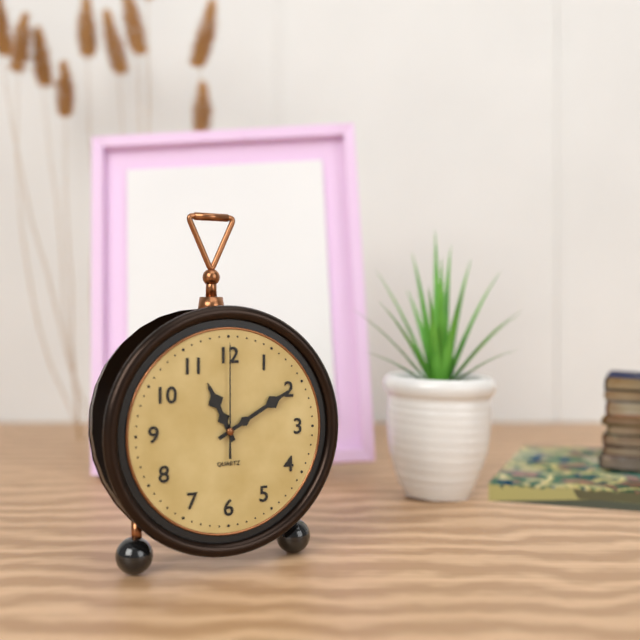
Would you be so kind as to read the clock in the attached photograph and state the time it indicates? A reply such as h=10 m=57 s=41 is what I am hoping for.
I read h=11 m=10 s=0
